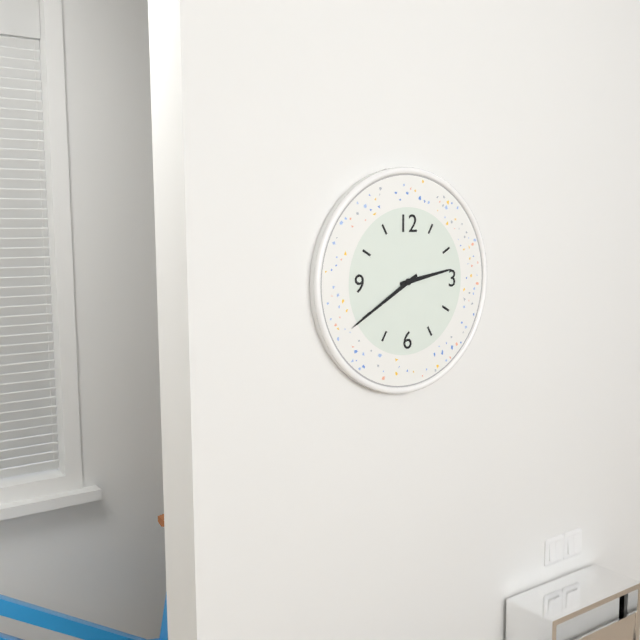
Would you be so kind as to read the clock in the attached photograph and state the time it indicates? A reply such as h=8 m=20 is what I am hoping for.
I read h=2 m=40
